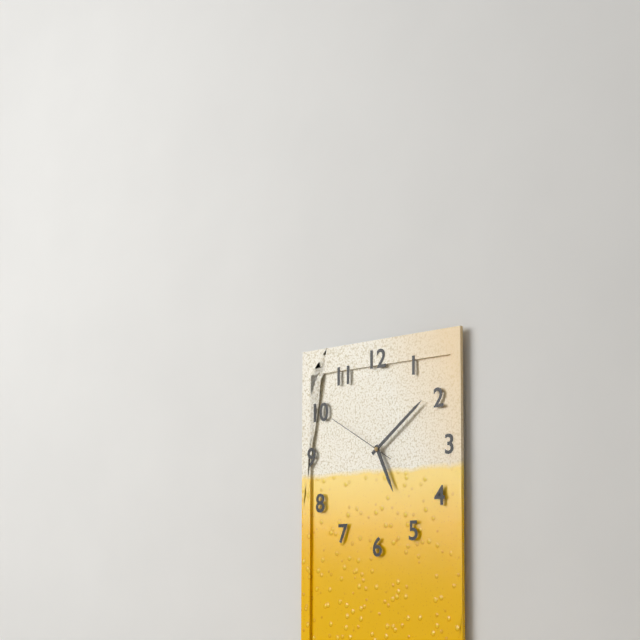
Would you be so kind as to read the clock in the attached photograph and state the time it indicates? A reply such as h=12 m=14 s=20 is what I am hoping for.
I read h=5 m=9 s=50
